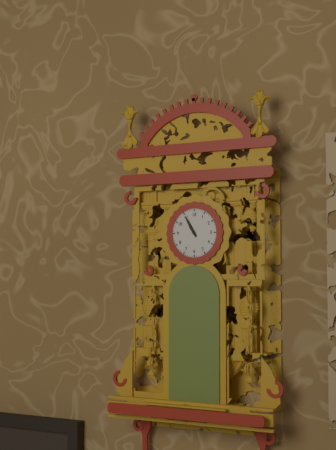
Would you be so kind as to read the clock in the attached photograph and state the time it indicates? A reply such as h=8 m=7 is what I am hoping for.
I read h=10 m=55
